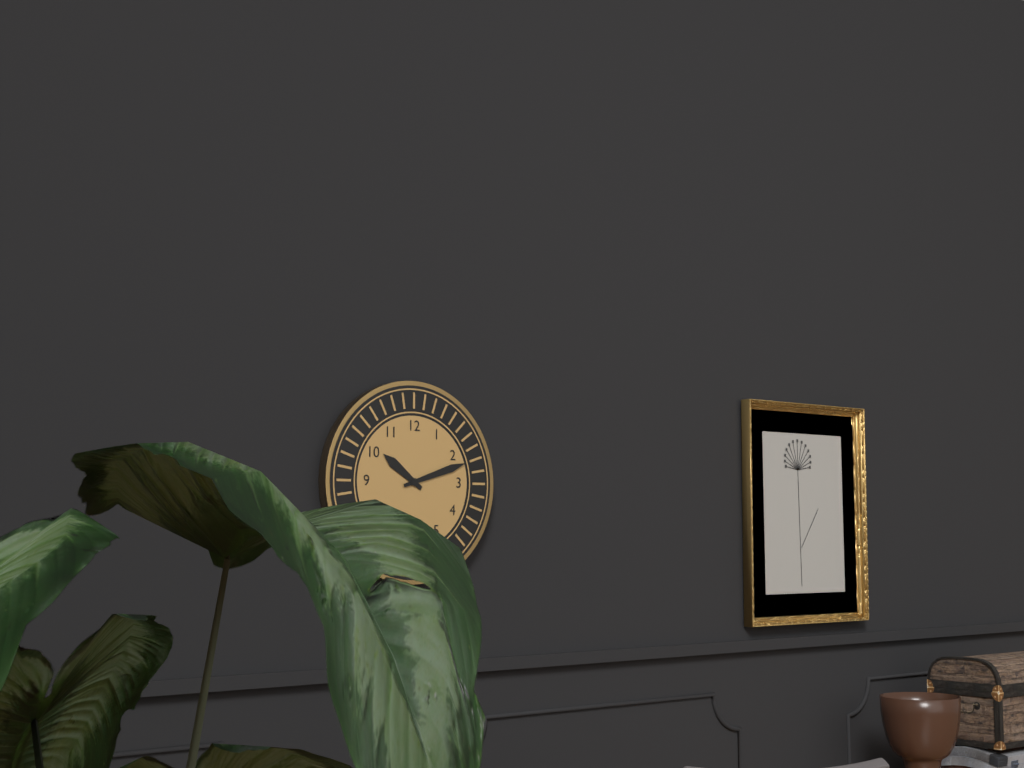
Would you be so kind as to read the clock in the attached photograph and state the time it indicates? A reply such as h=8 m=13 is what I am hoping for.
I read h=10 m=12
